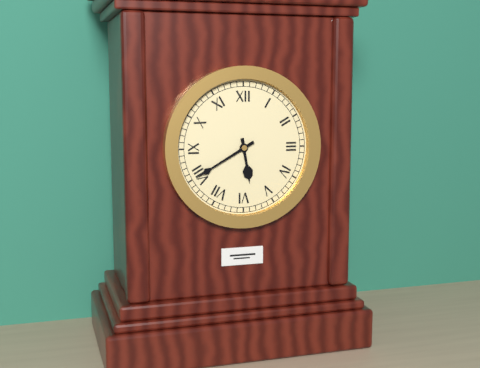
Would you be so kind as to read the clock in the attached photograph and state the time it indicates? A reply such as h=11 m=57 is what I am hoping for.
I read h=5 m=40
